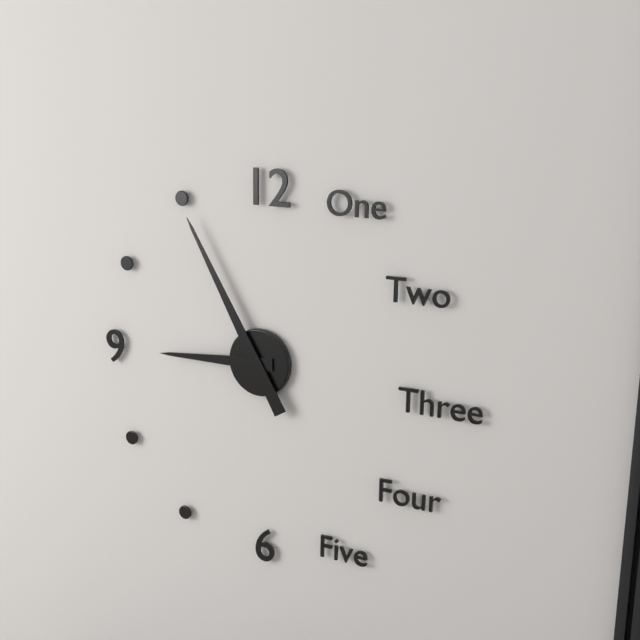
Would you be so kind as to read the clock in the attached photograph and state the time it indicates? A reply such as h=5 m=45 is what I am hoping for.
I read h=8 m=55
